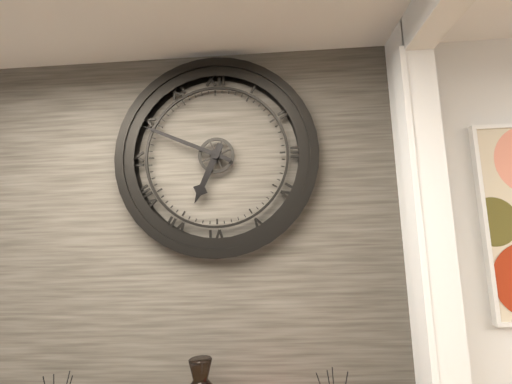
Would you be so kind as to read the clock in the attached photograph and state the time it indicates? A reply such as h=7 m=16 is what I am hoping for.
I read h=6 m=49
